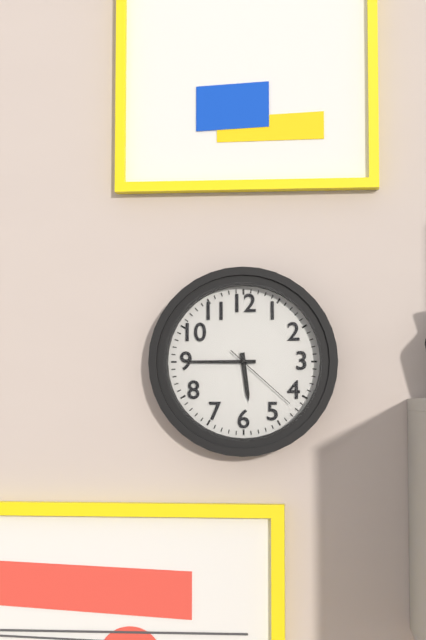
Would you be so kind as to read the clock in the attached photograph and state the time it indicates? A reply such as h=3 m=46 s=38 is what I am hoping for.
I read h=5 m=45 s=22
